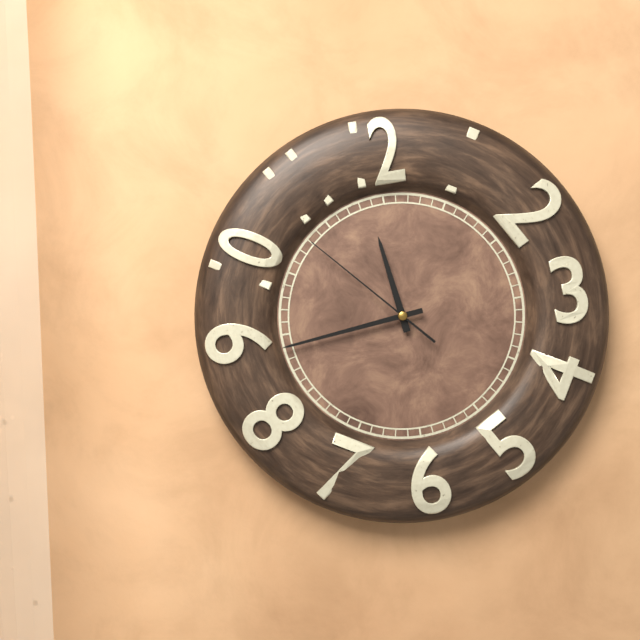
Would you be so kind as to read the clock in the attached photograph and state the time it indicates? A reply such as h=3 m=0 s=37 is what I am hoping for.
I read h=11 m=44 s=53
